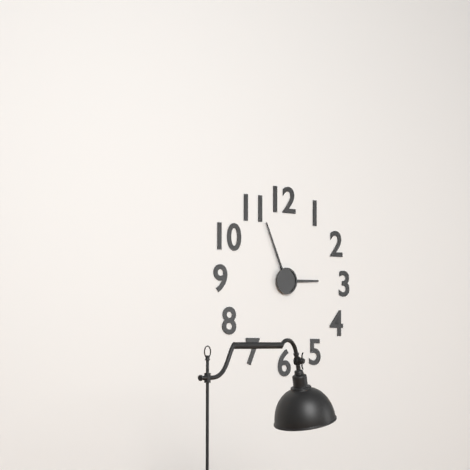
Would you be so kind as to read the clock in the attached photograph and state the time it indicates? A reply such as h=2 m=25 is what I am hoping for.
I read h=2 m=56
